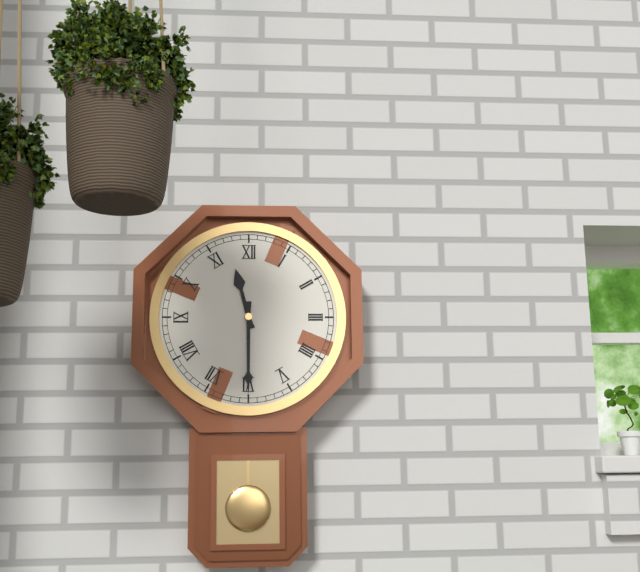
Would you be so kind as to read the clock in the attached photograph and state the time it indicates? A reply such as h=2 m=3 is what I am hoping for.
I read h=11 m=30
